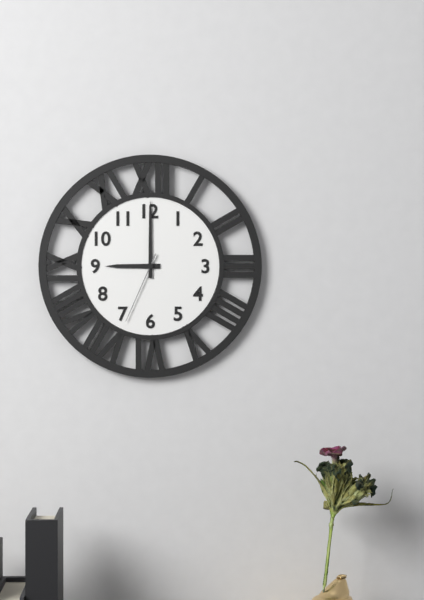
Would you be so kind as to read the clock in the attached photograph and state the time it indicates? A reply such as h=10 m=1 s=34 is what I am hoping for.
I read h=9 m=0 s=34
